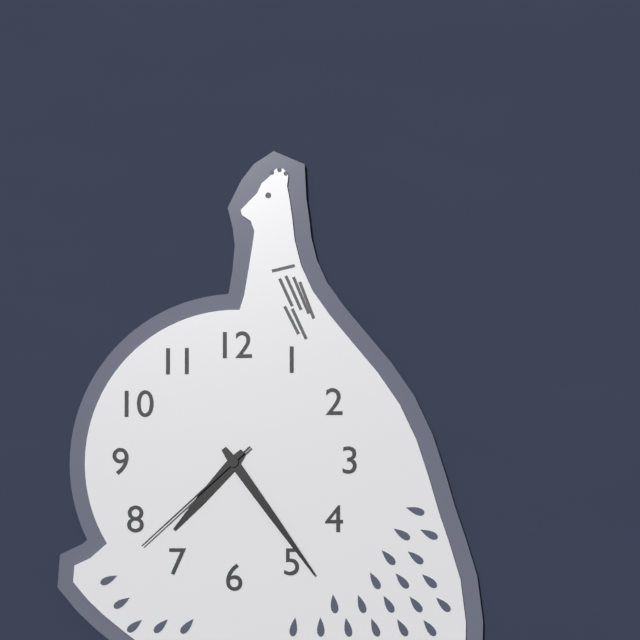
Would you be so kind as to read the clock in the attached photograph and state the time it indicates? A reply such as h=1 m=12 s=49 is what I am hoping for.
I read h=7 m=24 s=38
